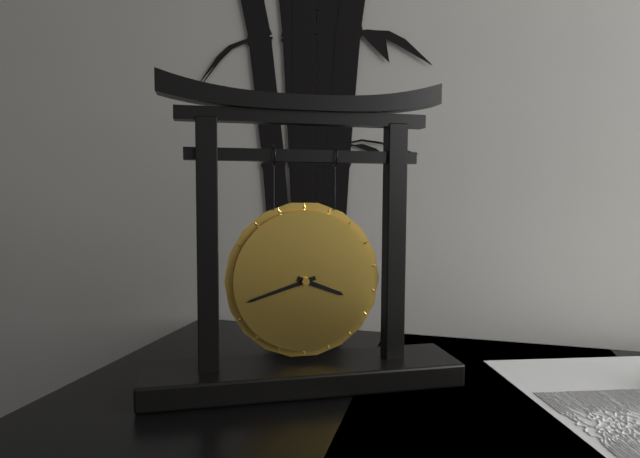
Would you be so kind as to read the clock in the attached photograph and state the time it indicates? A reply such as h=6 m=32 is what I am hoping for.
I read h=3 m=42
